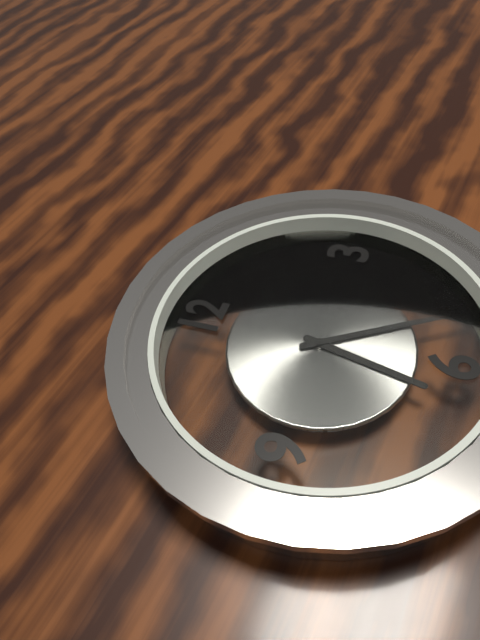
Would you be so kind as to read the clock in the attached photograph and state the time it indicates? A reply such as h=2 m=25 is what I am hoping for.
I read h=6 m=25
